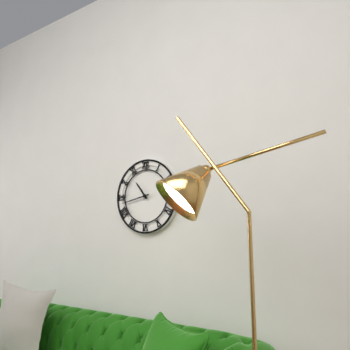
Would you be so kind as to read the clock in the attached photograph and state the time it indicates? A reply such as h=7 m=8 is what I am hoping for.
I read h=10 m=43
